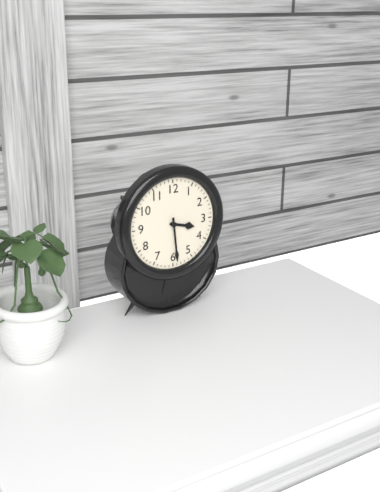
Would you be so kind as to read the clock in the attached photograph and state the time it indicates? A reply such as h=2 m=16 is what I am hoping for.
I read h=3 m=29
